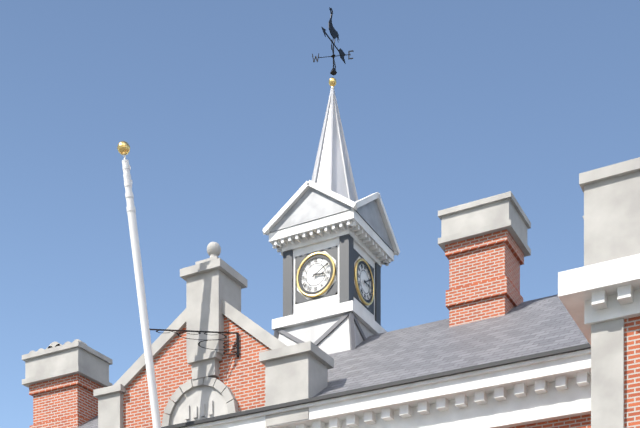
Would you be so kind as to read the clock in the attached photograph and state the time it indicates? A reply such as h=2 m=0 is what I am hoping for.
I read h=3 m=10
